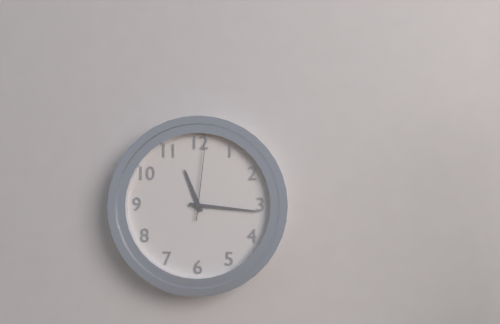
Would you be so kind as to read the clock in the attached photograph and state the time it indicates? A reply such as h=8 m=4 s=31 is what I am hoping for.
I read h=11 m=16 s=1
